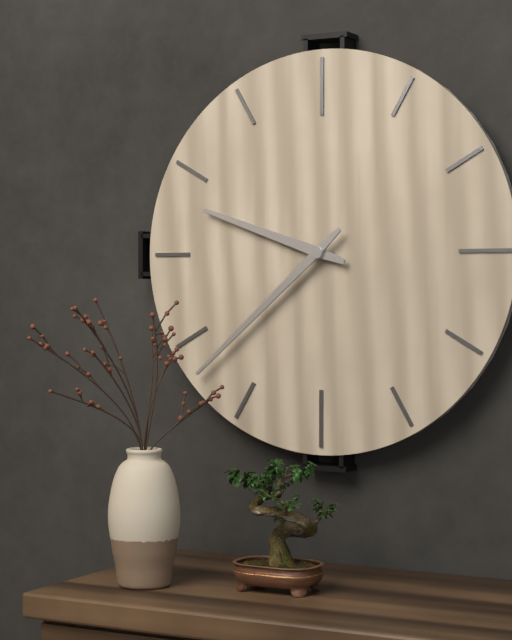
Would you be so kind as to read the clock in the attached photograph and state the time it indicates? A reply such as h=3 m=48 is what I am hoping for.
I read h=9 m=38
